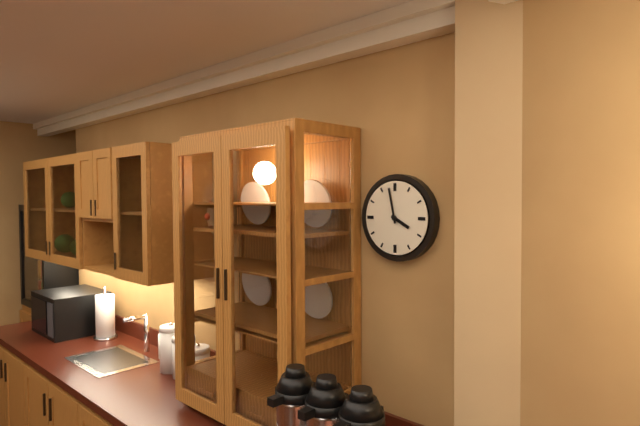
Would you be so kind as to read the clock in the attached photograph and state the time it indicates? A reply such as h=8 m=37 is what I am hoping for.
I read h=3 m=58
